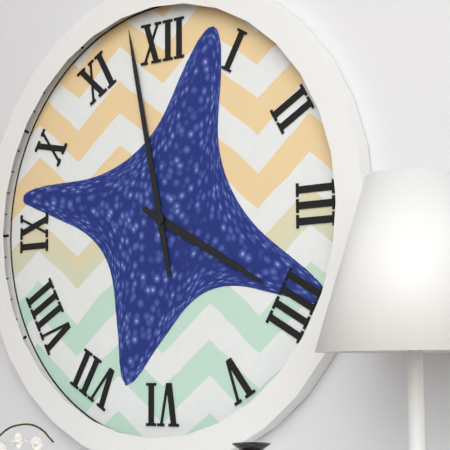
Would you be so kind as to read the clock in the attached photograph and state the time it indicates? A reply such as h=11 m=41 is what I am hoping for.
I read h=3 m=58
